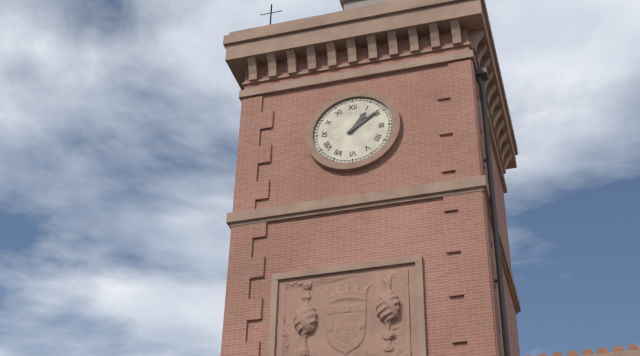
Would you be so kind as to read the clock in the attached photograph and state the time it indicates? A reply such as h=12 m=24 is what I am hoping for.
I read h=1 m=9
